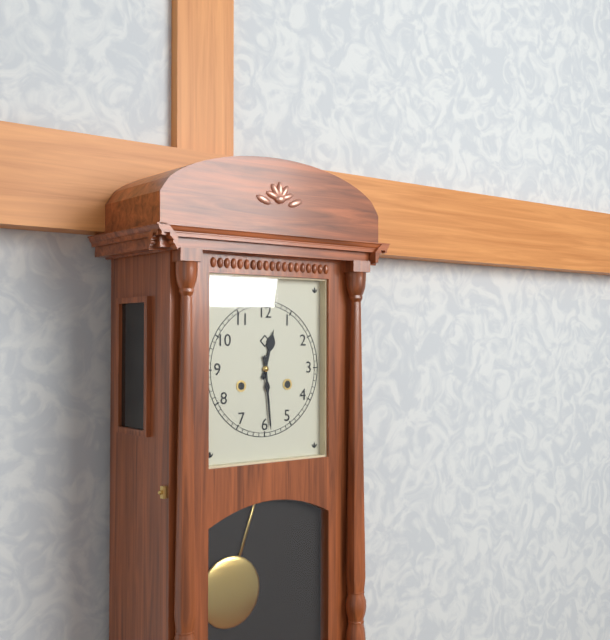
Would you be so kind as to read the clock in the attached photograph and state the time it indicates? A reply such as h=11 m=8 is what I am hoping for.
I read h=12 m=29
